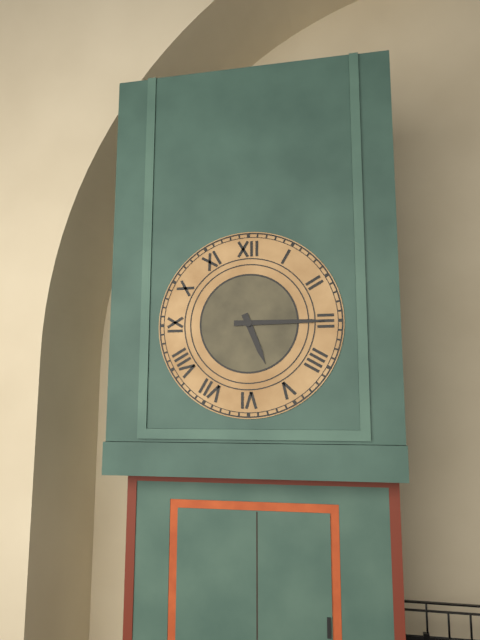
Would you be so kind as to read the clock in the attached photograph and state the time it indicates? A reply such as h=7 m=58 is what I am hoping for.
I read h=5 m=15
